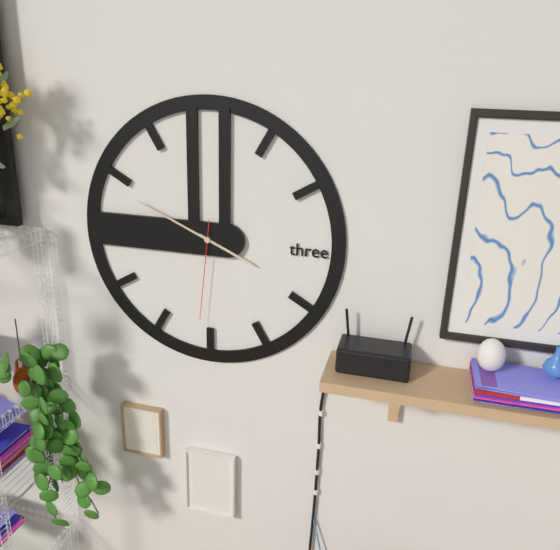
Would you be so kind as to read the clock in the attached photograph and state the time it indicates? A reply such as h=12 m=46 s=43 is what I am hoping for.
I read h=3 m=49 s=31
